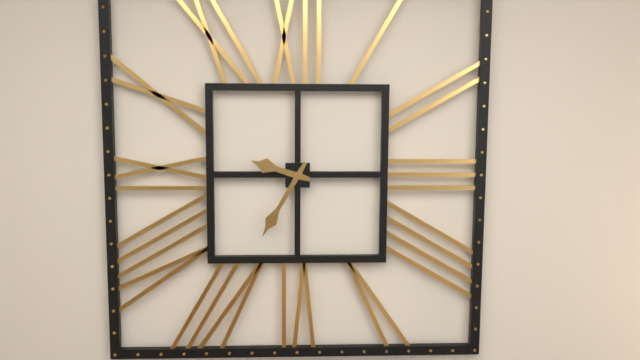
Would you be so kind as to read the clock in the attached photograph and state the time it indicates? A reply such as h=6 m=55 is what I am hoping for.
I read h=9 m=35
